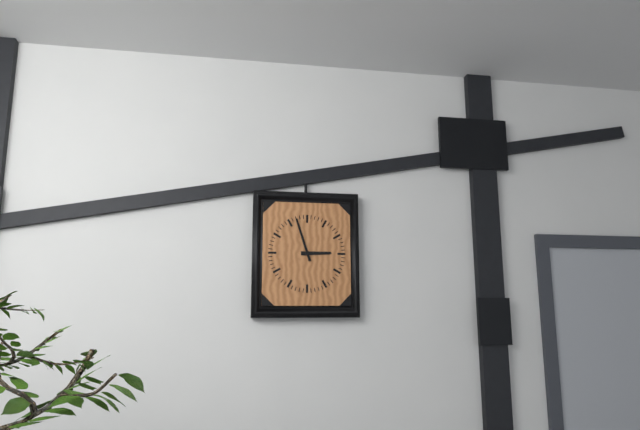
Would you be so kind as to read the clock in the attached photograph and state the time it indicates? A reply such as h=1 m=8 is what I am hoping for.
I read h=2 m=57
